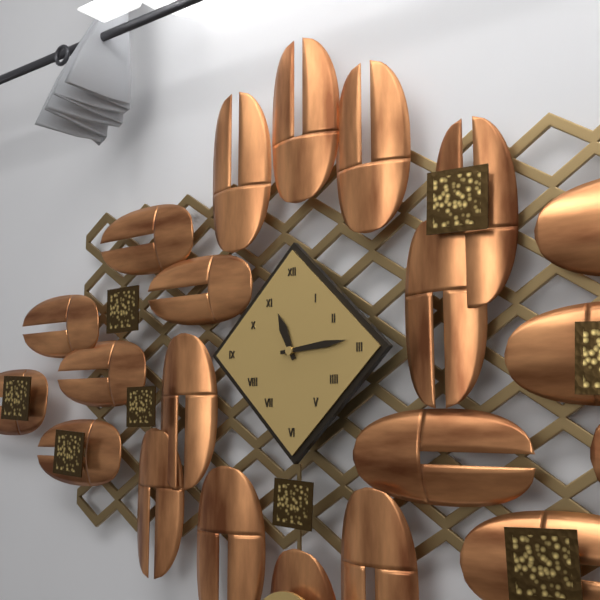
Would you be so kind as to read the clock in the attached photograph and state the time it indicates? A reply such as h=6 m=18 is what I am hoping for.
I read h=11 m=14
